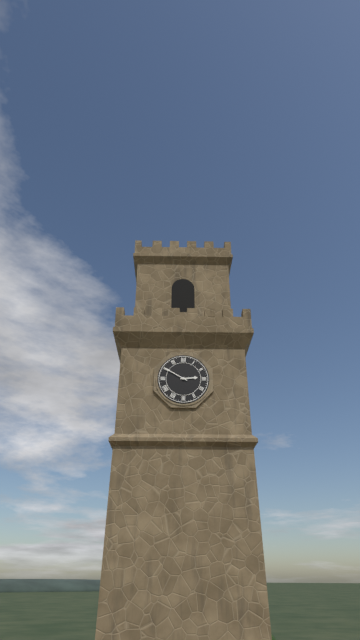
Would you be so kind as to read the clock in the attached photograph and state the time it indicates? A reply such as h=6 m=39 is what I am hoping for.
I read h=2 m=50
